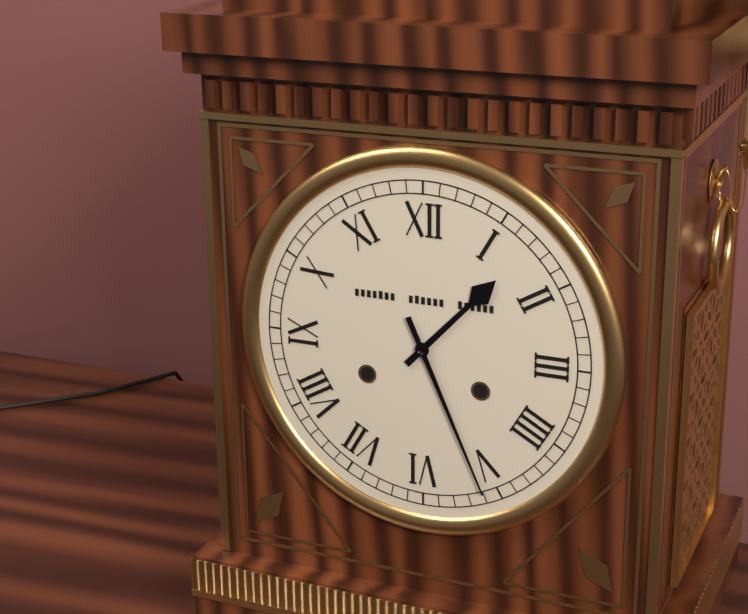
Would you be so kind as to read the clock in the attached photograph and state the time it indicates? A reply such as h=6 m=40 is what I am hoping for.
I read h=1 m=26
